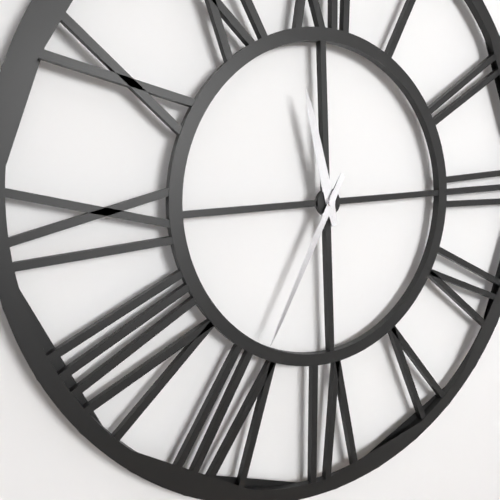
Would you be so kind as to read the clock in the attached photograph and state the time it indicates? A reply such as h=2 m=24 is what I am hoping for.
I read h=11 m=35
